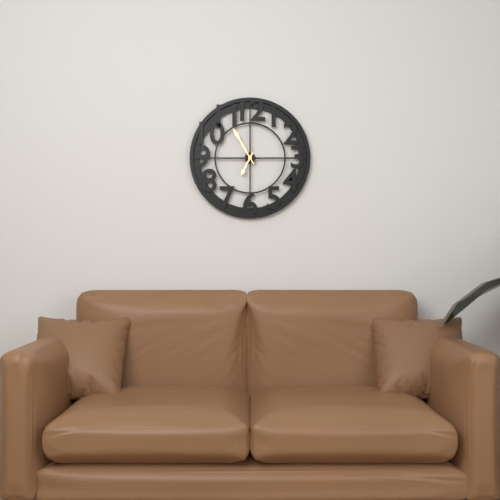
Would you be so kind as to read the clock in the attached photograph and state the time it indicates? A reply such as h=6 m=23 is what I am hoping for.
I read h=6 m=55
